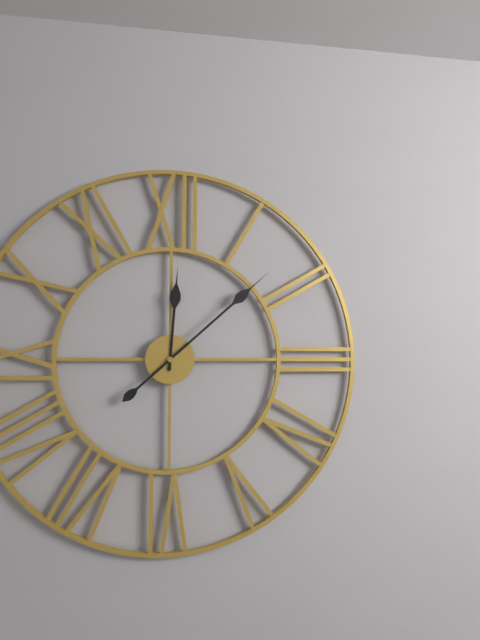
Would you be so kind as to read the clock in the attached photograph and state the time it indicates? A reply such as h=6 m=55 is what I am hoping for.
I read h=12 m=8
